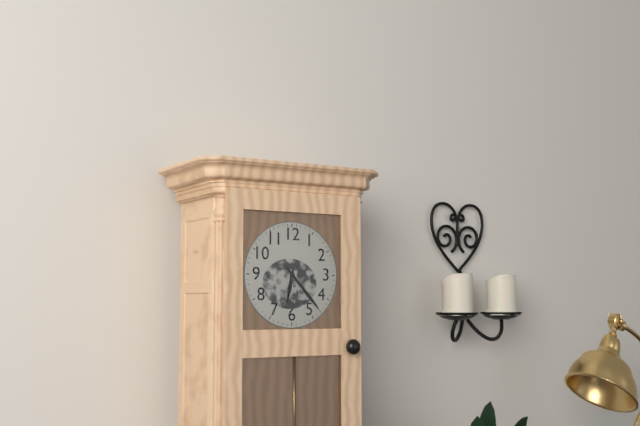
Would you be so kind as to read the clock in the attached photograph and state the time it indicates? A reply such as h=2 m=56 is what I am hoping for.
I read h=6 m=23
